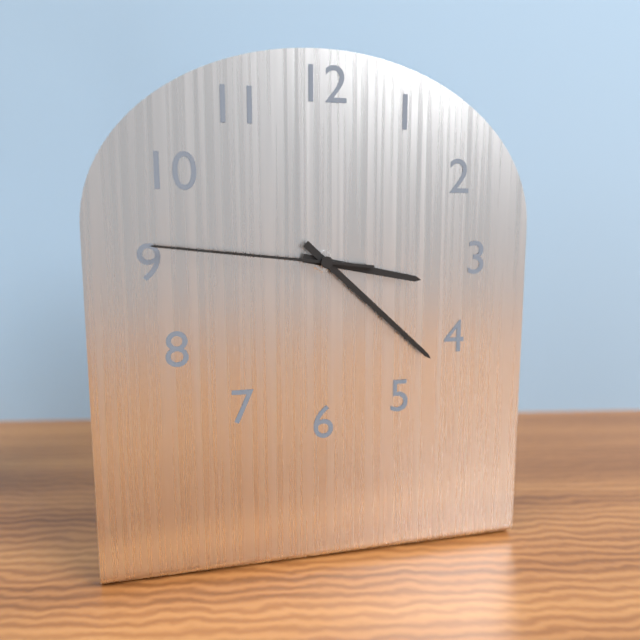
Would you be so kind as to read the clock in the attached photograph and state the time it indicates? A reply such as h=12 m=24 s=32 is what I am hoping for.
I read h=3 m=22 s=46
